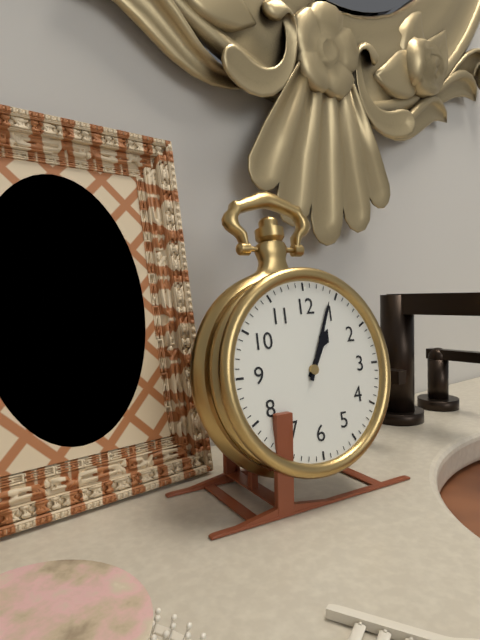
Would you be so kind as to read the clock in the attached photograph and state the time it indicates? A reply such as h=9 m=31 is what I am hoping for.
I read h=1 m=4
